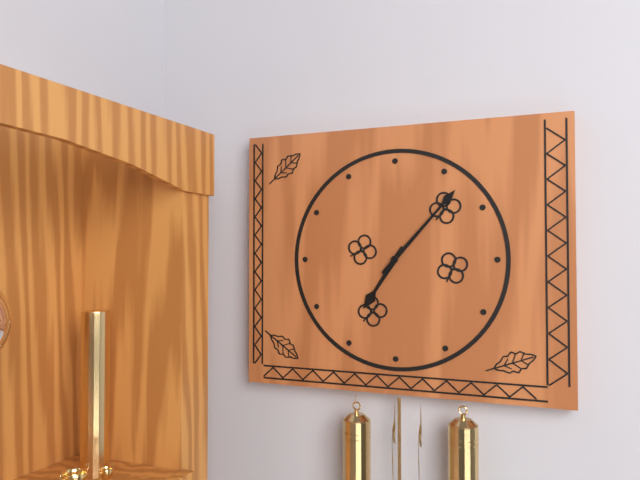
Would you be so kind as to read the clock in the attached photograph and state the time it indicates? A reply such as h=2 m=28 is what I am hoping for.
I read h=7 m=7
